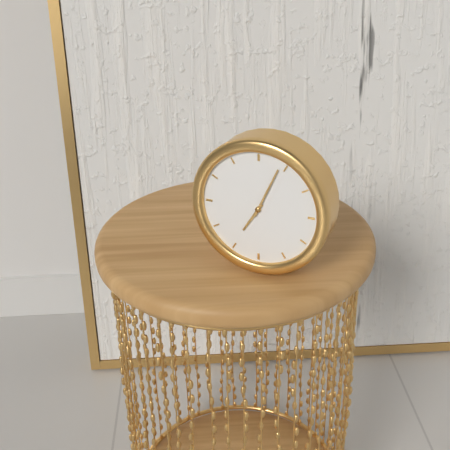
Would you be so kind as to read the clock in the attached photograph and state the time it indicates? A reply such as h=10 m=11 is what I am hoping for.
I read h=7 m=4
